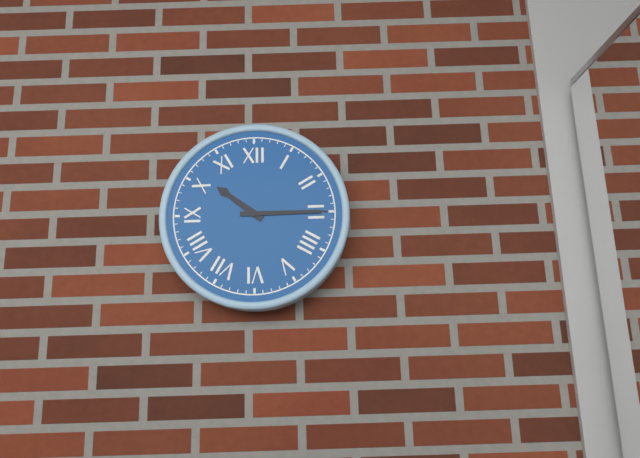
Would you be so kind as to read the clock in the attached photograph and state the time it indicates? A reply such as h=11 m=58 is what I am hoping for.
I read h=10 m=15
